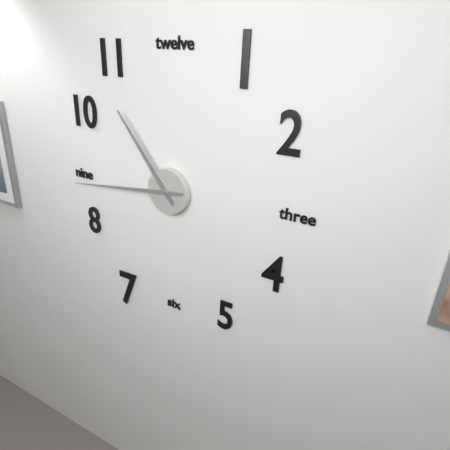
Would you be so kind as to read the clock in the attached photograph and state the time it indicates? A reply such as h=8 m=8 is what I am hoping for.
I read h=10 m=44
